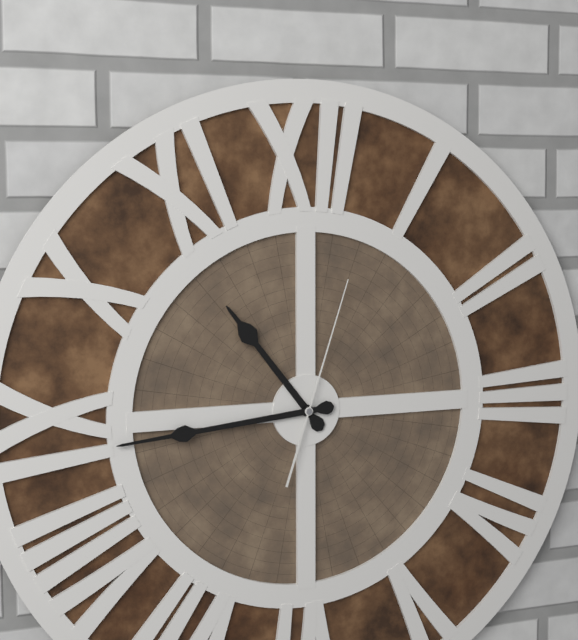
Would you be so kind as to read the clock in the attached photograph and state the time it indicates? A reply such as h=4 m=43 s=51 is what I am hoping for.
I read h=10 m=44 s=3
